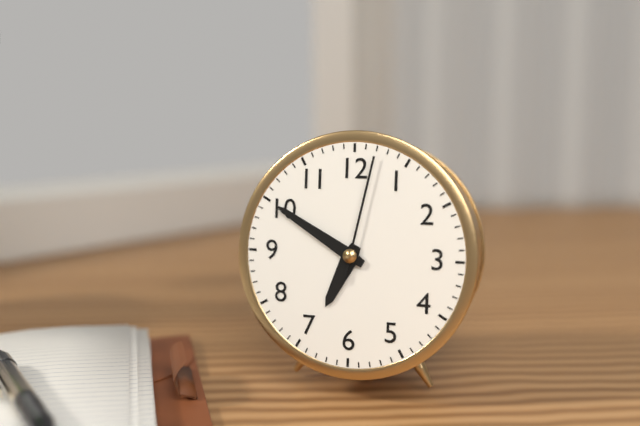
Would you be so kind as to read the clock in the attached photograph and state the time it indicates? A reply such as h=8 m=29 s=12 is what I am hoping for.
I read h=6 m=50 s=2
